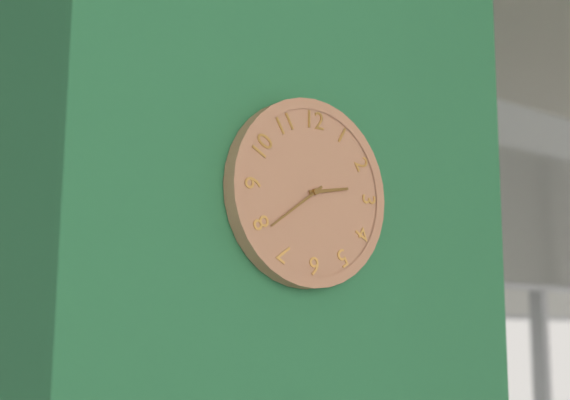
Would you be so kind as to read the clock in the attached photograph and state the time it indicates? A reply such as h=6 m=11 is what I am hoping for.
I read h=2 m=39
